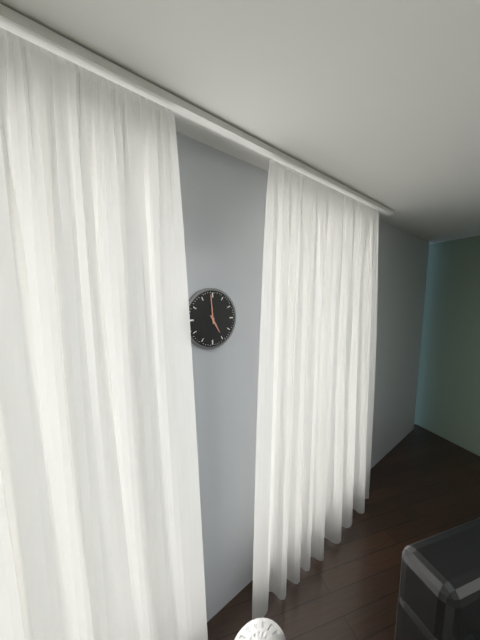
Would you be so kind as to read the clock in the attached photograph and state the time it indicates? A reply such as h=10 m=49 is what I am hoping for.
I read h=4 m=59
